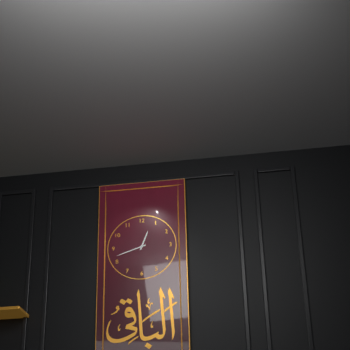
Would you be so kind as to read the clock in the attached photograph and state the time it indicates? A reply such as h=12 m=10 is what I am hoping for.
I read h=12 m=42
